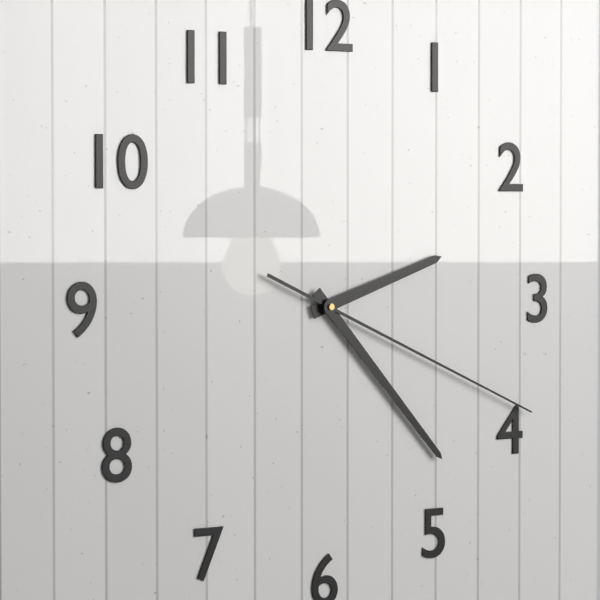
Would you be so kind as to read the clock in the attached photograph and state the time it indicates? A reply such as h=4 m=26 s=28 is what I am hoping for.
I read h=2 m=23 s=19
